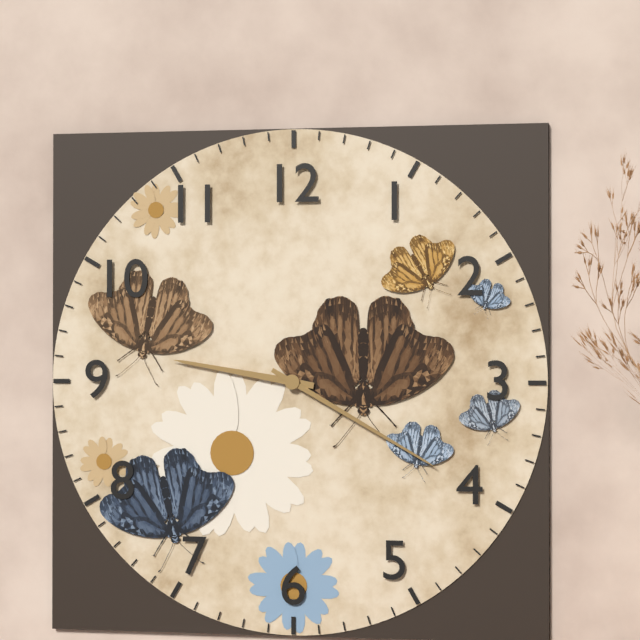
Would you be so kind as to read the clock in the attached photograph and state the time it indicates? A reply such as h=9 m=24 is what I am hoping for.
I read h=9 m=20
